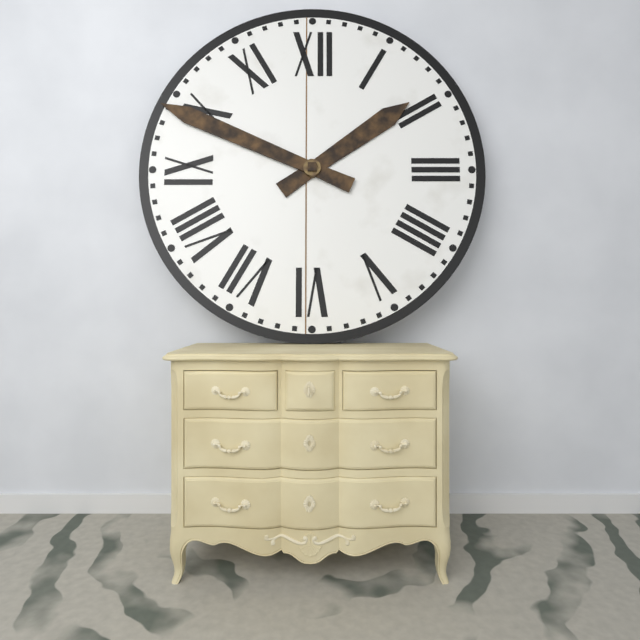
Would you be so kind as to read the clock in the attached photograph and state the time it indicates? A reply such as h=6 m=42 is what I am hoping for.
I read h=1 m=49
